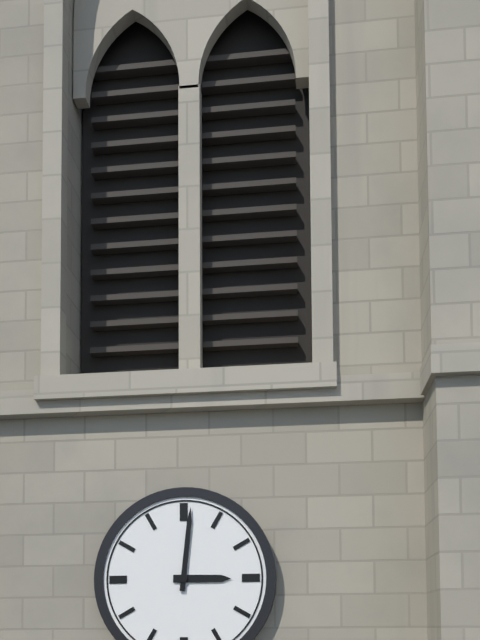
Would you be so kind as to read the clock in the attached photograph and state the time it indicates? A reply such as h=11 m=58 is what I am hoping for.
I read h=3 m=1
